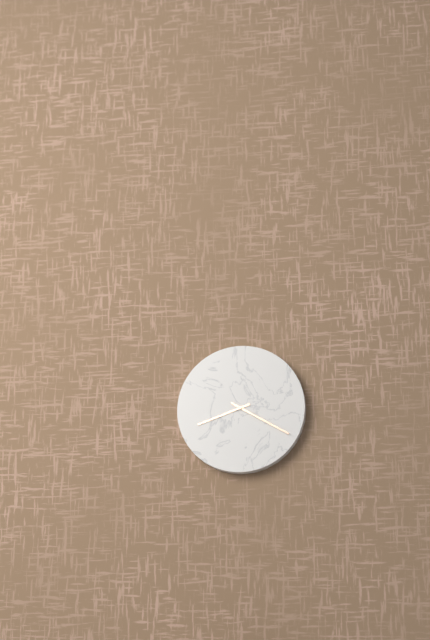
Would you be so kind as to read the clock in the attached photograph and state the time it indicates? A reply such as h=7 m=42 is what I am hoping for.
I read h=8 m=20
